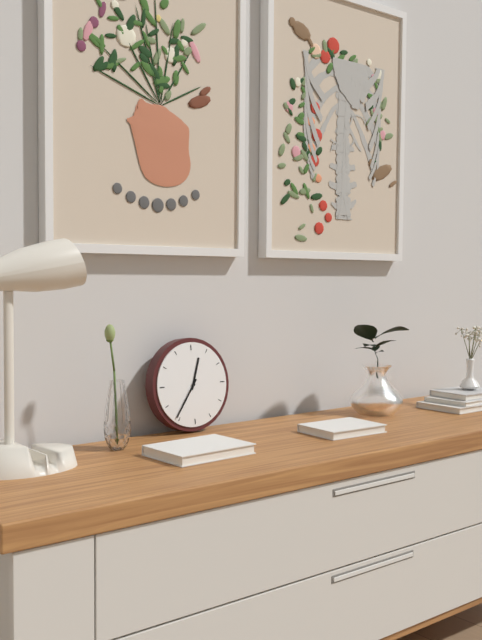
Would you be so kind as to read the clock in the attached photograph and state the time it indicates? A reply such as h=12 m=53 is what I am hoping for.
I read h=12 m=36
